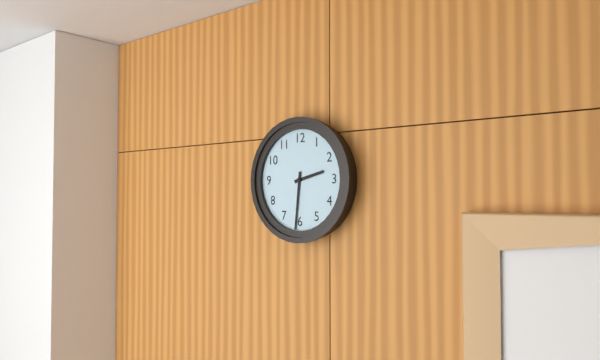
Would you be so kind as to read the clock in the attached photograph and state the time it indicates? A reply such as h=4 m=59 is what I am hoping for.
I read h=2 m=31
